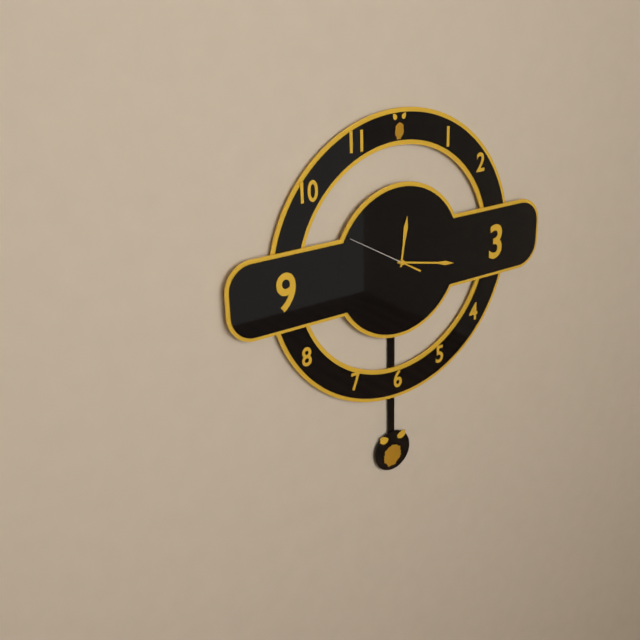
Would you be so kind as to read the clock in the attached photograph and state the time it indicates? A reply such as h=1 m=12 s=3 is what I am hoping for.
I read h=12 m=17 s=50
